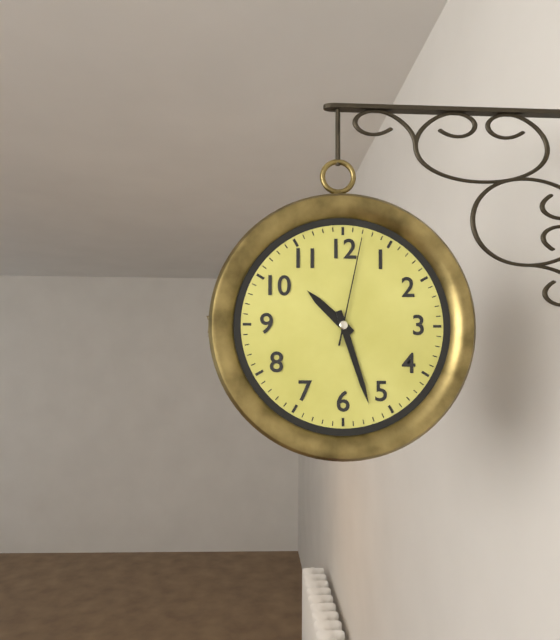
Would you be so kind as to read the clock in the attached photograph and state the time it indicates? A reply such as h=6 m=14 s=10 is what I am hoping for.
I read h=10 m=27 s=2
